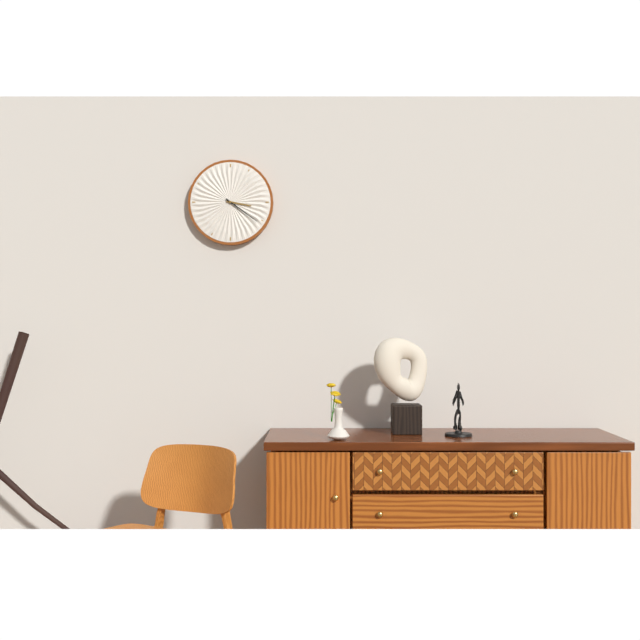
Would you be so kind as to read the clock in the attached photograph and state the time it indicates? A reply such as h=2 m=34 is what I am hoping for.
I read h=3 m=21
